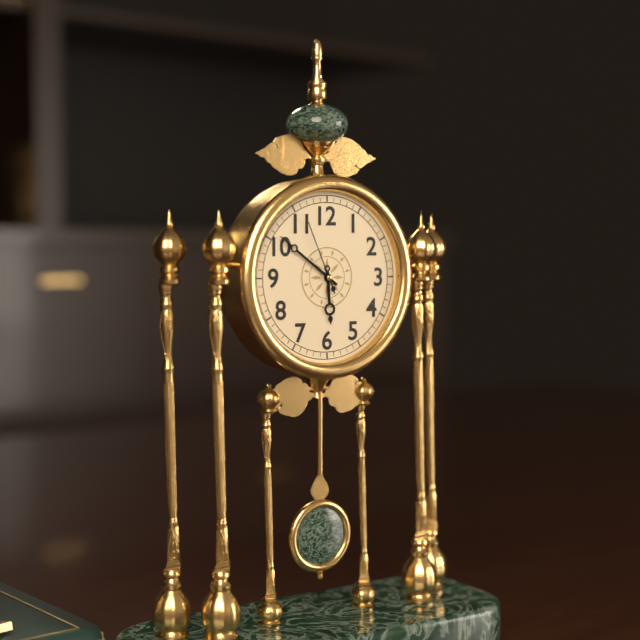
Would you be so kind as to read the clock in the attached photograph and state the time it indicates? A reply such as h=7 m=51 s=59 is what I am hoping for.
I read h=5 m=51 s=56
